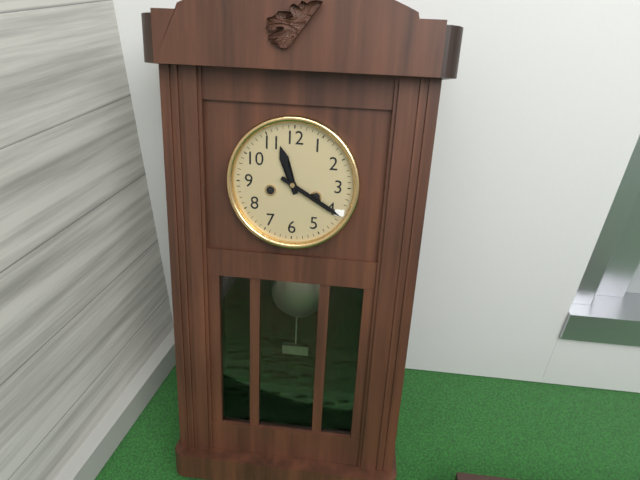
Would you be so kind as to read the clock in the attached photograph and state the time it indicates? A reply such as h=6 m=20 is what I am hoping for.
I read h=11 m=20
